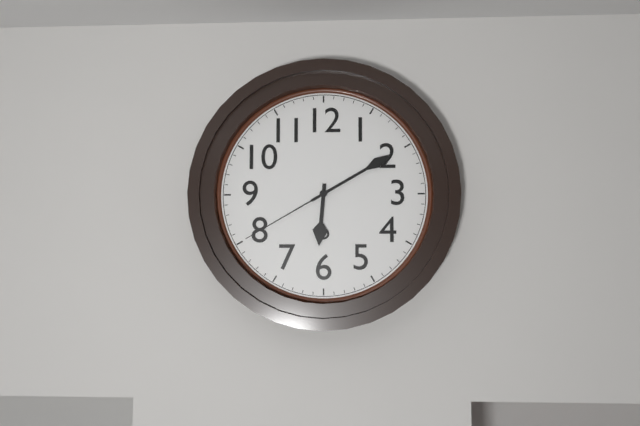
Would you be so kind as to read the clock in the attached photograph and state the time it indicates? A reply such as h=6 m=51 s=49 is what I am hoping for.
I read h=6 m=10 s=40
